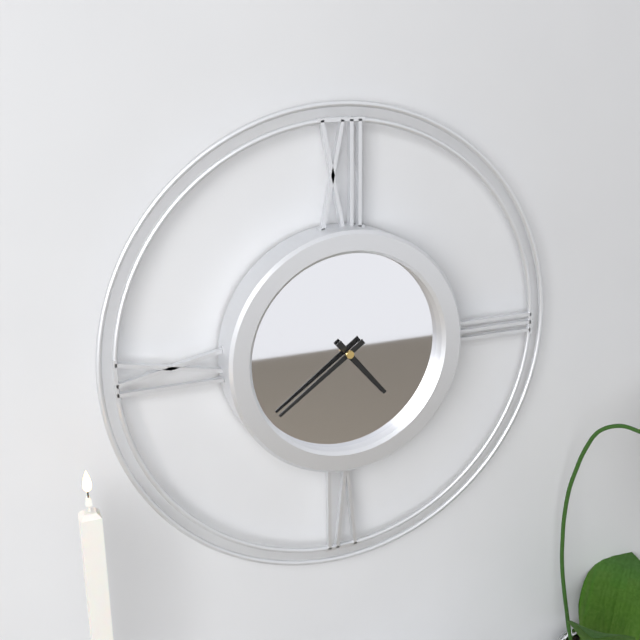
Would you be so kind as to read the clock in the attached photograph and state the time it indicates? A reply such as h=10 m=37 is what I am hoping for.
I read h=4 m=39
